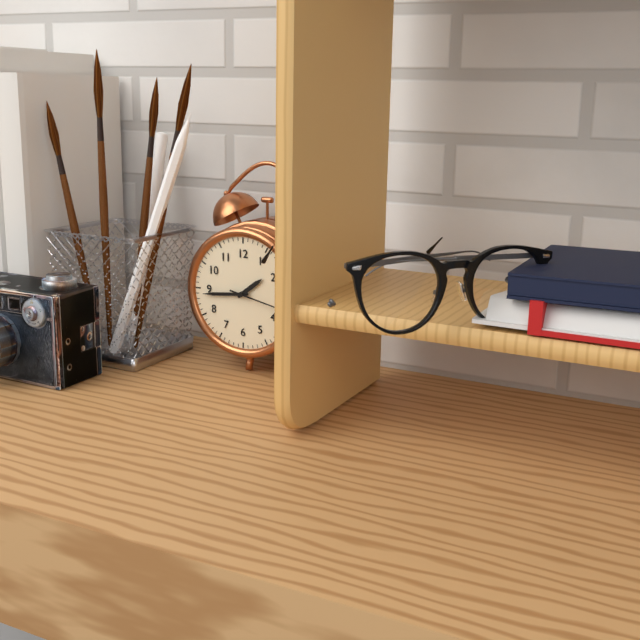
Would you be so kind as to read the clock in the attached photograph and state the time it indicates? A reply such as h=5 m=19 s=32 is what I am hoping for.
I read h=1 m=44 s=17
